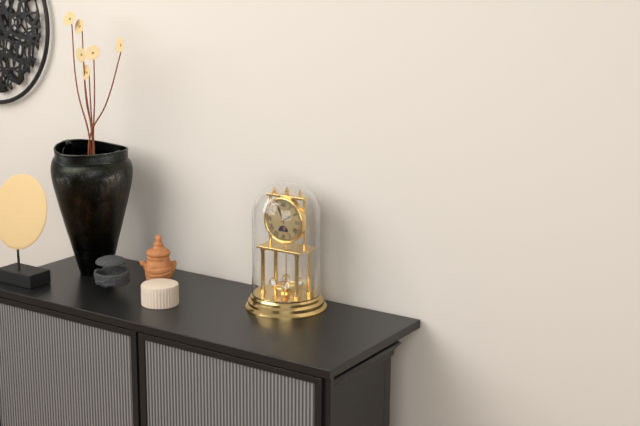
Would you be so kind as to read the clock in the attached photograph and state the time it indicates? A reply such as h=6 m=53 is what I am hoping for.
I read h=1 m=56
